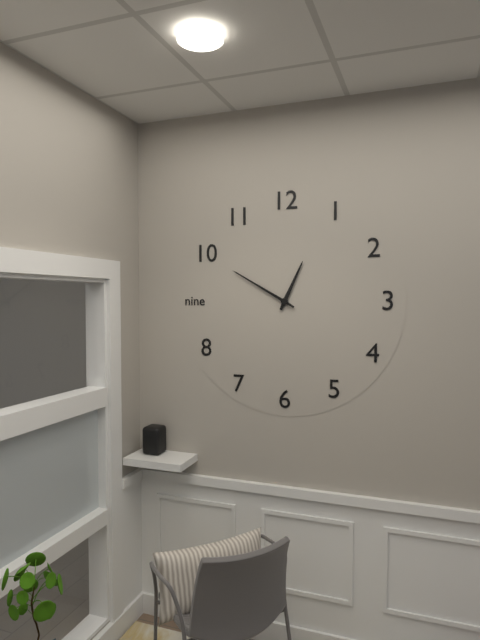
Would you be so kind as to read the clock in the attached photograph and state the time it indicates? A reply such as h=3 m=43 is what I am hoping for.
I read h=12 m=50
